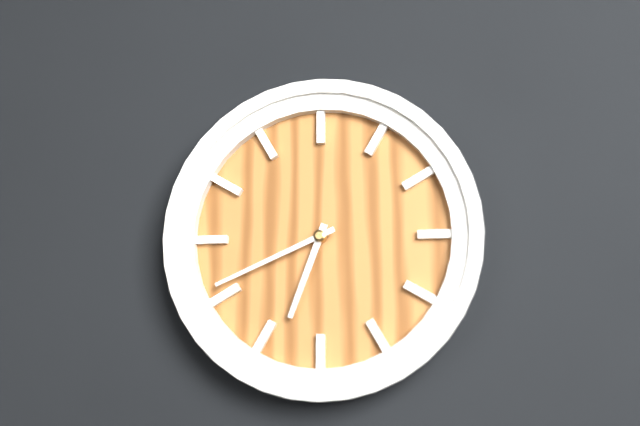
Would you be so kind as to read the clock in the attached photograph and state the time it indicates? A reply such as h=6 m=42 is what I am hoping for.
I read h=6 m=41
